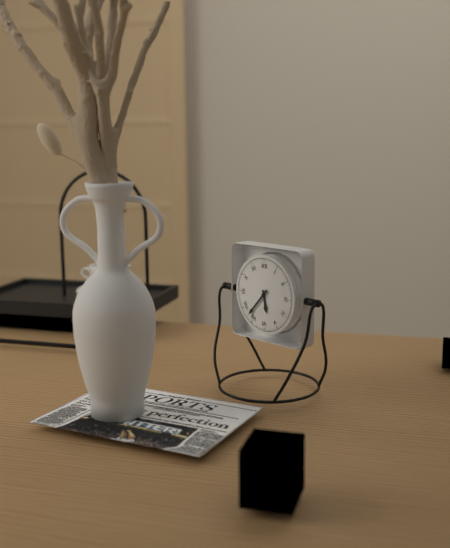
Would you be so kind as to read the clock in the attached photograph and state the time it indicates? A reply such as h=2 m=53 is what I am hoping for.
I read h=5 m=37
